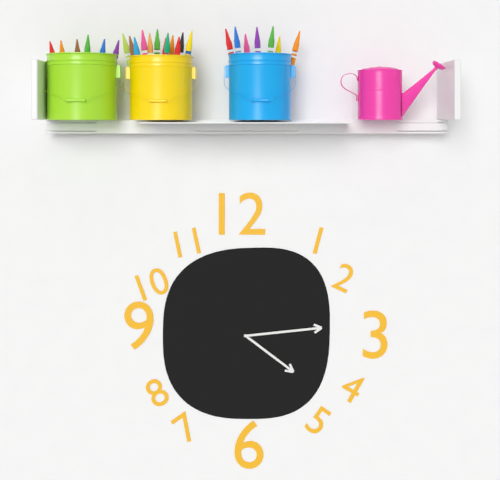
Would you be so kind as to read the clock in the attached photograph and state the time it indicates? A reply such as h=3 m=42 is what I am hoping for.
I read h=4 m=14
